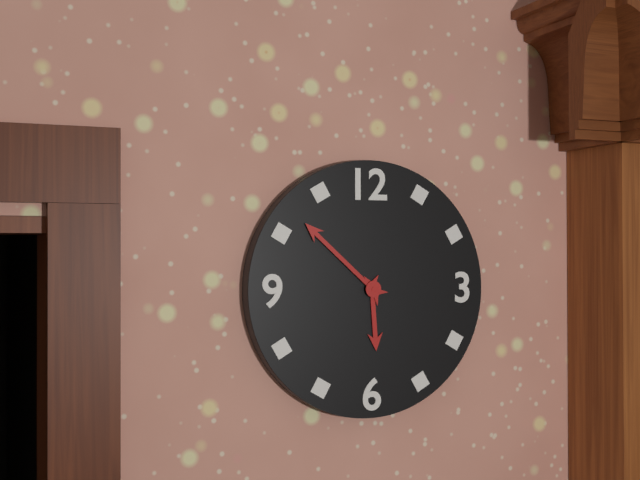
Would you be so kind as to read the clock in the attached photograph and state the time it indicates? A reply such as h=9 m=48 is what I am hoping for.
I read h=5 m=52
